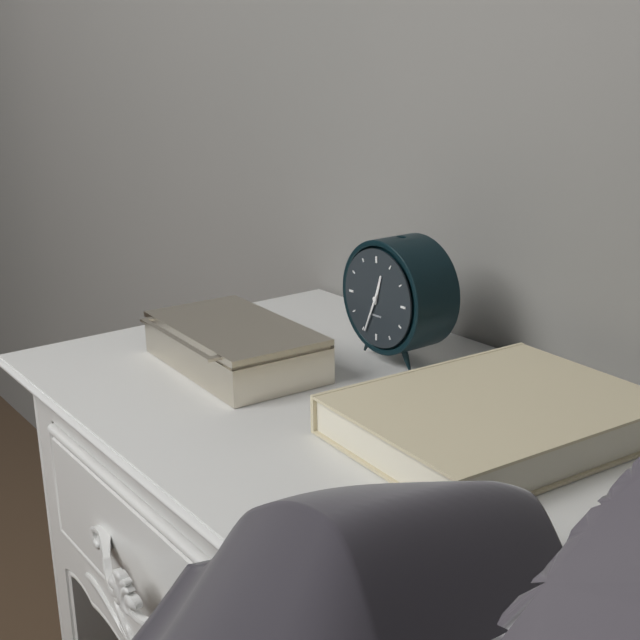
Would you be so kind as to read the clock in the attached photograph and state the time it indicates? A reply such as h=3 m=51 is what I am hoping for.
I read h=12 m=34
